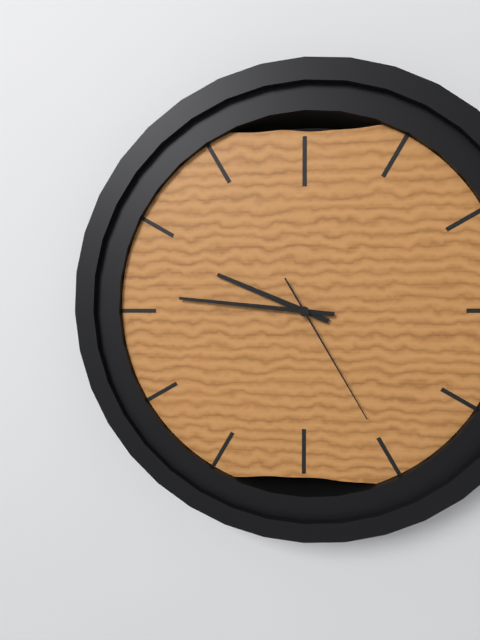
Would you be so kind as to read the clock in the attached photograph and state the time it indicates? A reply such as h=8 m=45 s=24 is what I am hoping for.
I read h=9 m=46 s=25
